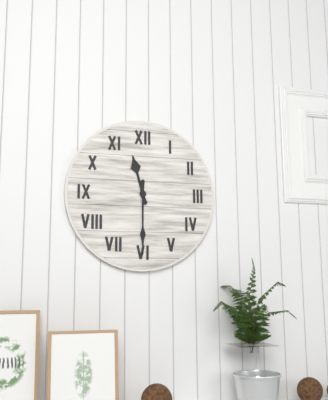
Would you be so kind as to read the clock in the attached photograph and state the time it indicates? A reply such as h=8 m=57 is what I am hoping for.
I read h=11 m=30
